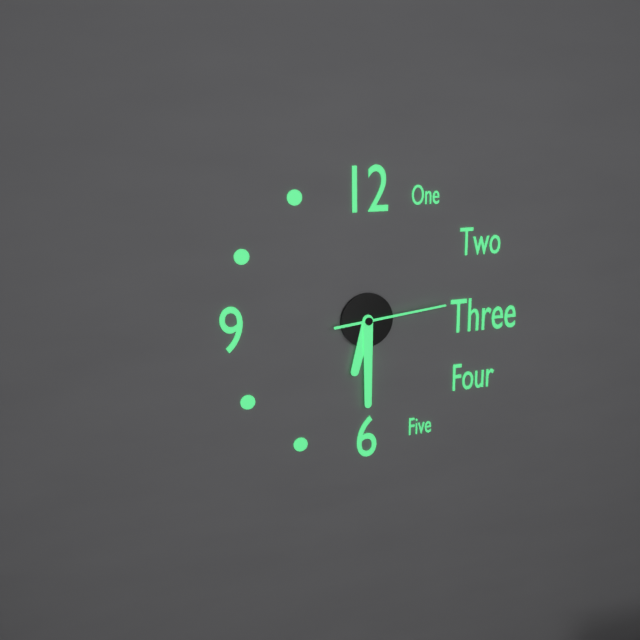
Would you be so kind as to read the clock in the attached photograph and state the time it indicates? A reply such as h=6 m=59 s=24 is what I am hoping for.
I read h=6 m=30 s=14
